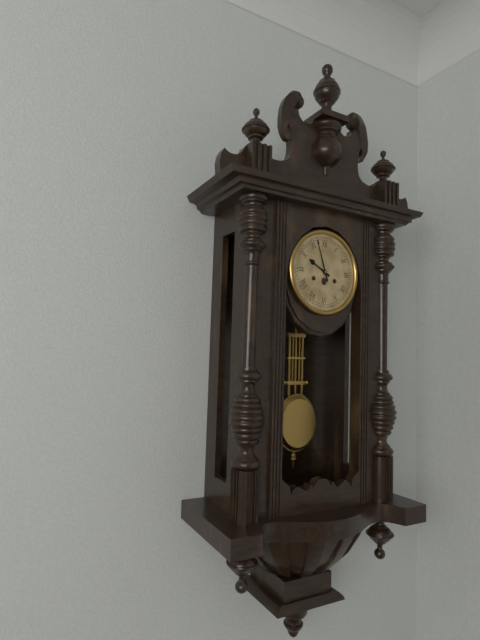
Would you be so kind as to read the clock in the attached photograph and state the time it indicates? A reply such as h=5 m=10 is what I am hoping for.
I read h=9 m=57
